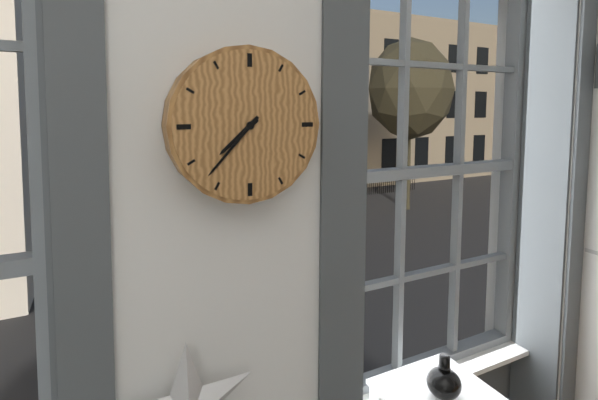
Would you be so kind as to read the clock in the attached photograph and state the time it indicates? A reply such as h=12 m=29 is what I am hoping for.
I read h=7 m=37
